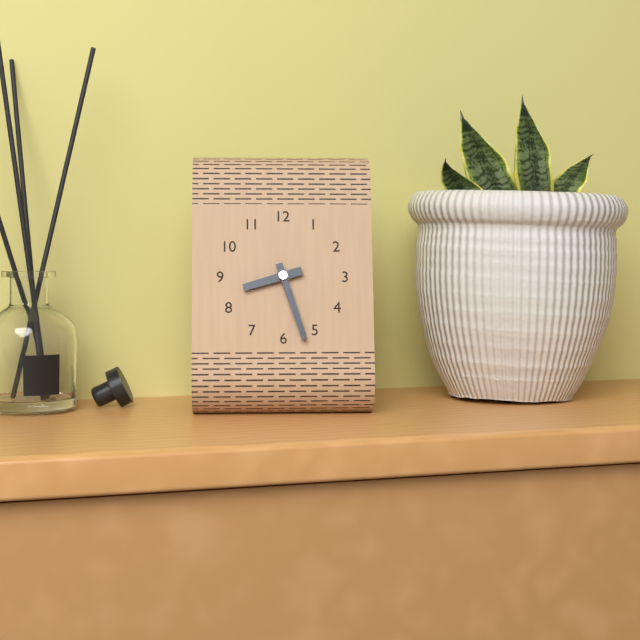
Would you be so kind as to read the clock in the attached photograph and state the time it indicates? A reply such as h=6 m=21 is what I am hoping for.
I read h=8 m=27
